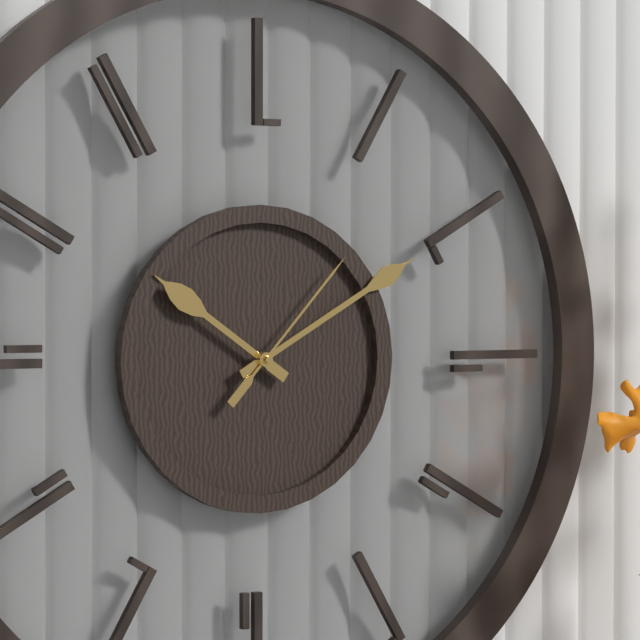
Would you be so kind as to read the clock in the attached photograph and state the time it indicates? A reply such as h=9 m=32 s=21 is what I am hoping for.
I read h=10 m=10 s=7
